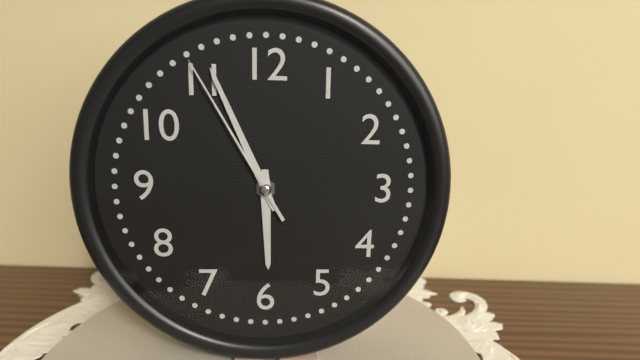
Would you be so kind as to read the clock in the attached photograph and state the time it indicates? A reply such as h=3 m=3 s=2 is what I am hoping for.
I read h=5 m=56 s=55
